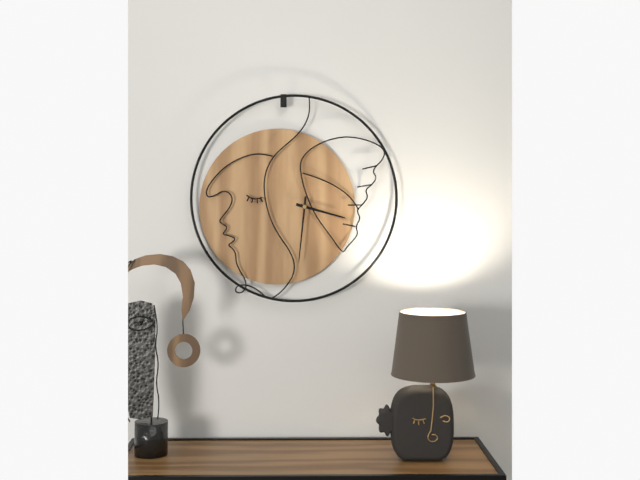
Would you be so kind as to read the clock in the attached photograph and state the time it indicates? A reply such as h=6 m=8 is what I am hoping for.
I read h=3 m=31
